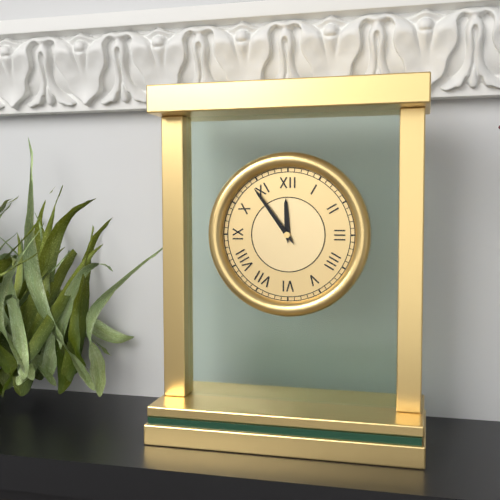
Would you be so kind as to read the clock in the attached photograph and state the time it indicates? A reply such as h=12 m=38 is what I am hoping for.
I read h=11 m=54
